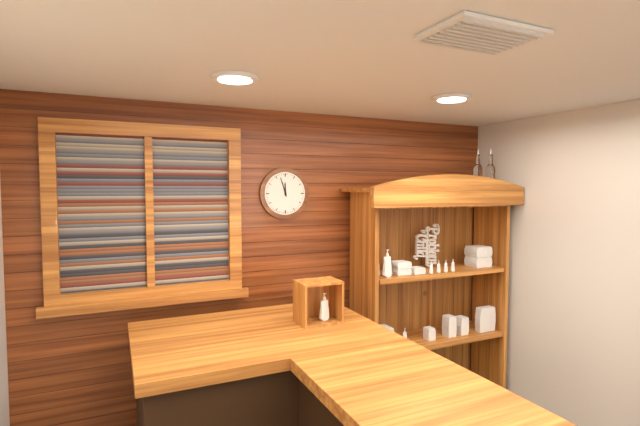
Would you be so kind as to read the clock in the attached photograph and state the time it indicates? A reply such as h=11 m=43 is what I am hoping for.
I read h=11 m=57
